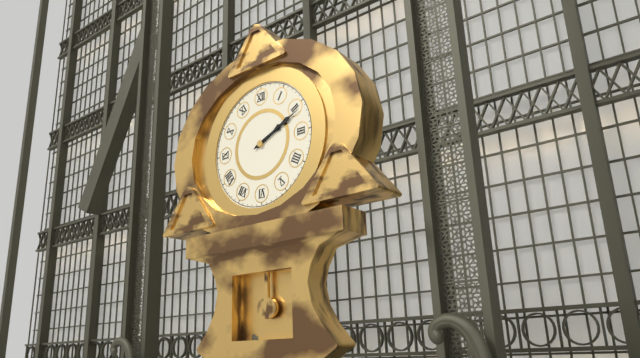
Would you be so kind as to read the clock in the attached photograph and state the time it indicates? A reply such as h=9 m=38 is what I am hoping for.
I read h=2 m=11
